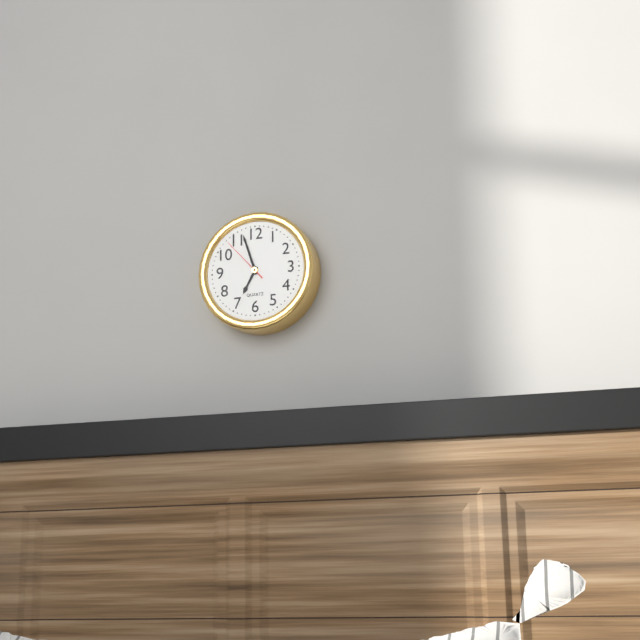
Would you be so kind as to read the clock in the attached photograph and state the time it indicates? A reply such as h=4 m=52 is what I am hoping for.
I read h=6 m=57
